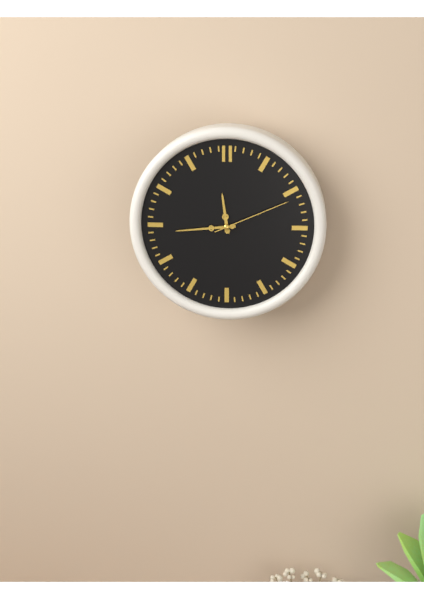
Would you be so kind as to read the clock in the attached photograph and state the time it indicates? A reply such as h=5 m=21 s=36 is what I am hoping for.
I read h=11 m=44 s=11
